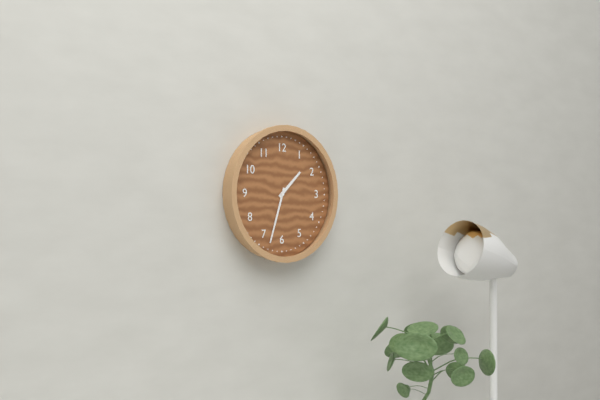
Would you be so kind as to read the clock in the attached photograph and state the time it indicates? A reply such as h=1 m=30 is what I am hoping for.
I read h=1 m=33
